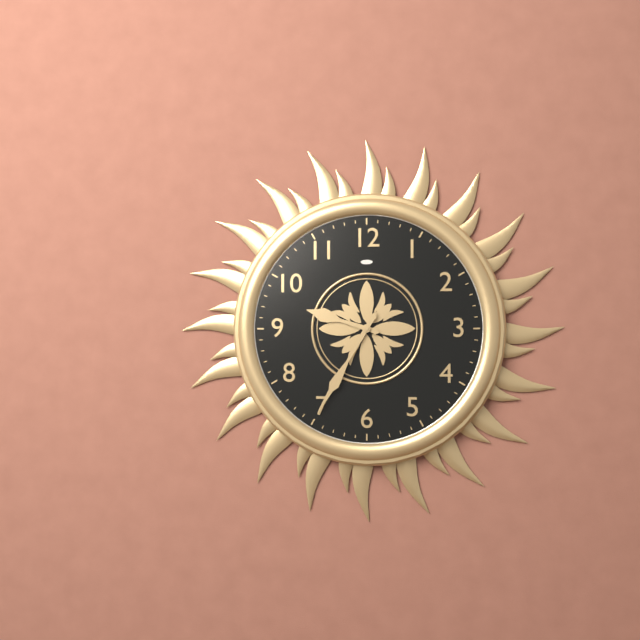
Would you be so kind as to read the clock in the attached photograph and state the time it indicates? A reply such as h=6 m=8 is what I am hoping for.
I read h=9 m=35
